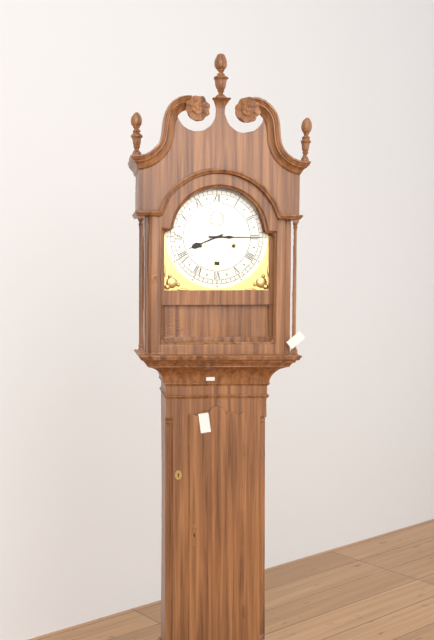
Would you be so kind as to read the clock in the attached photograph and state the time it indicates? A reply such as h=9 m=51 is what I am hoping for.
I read h=8 m=15
